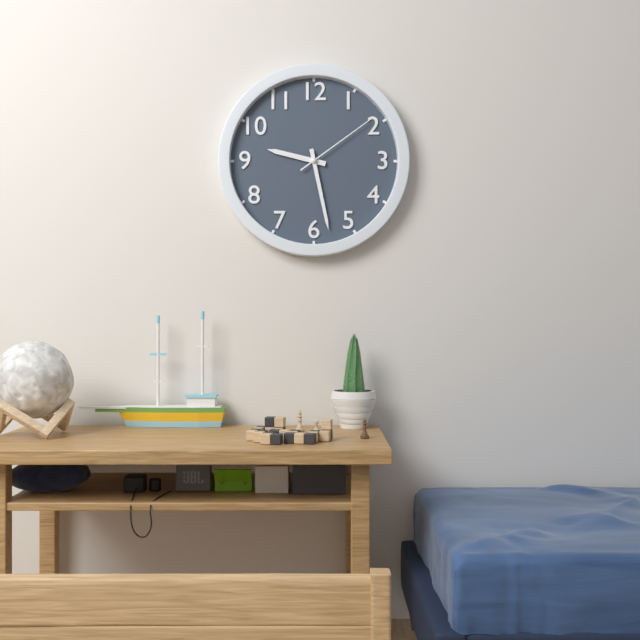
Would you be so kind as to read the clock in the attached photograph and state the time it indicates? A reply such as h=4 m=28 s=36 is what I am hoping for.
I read h=9 m=28 s=9
